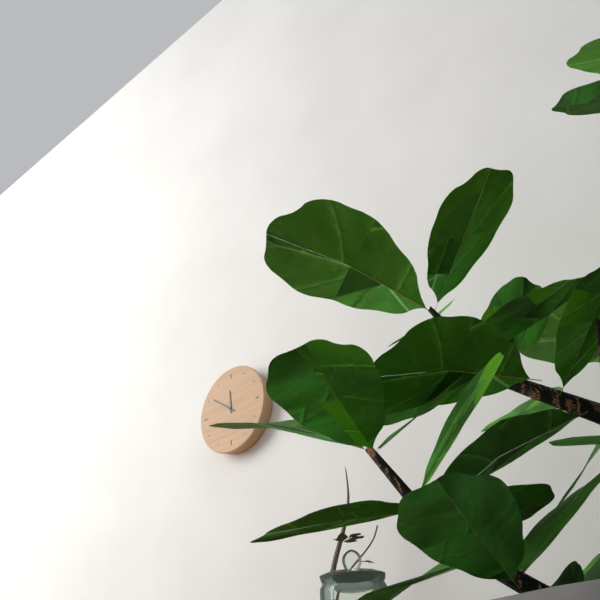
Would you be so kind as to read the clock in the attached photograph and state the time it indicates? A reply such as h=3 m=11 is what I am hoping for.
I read h=11 m=51
